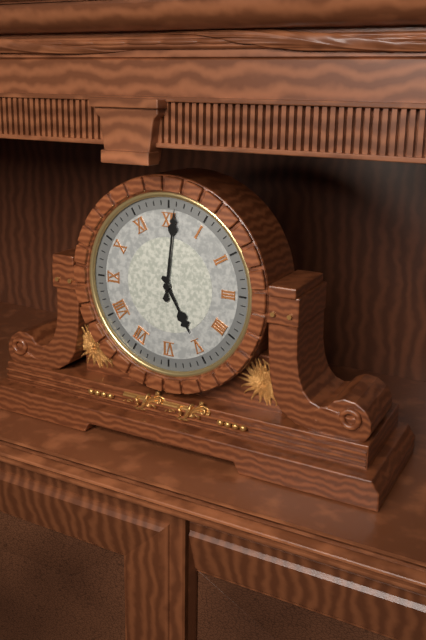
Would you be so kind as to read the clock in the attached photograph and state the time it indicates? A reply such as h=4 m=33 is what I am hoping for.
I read h=5 m=1
